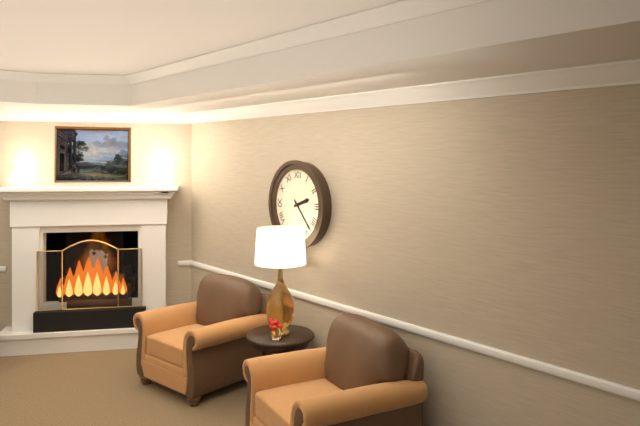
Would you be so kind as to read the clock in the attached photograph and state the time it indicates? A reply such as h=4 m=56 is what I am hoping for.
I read h=2 m=23
